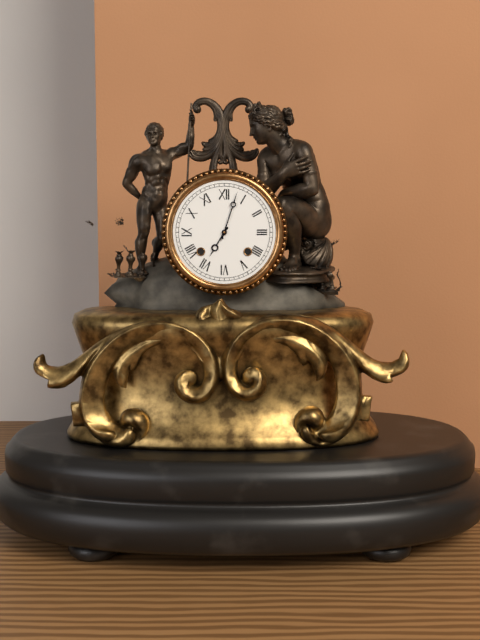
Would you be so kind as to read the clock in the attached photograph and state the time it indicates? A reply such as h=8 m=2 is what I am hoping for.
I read h=7 m=3
